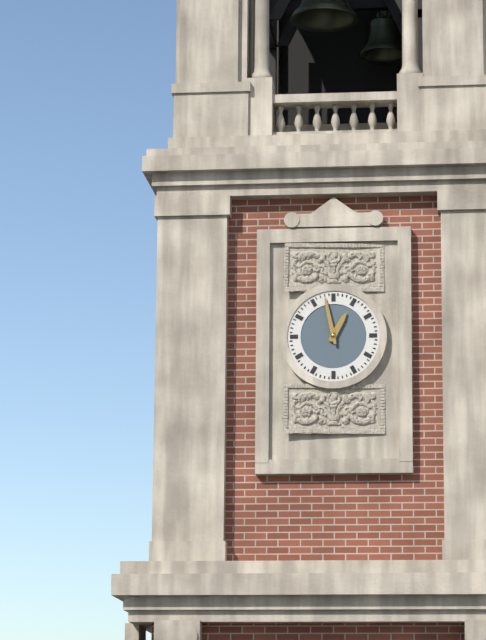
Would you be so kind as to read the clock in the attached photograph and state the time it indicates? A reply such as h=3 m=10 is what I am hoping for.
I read h=12 m=58
